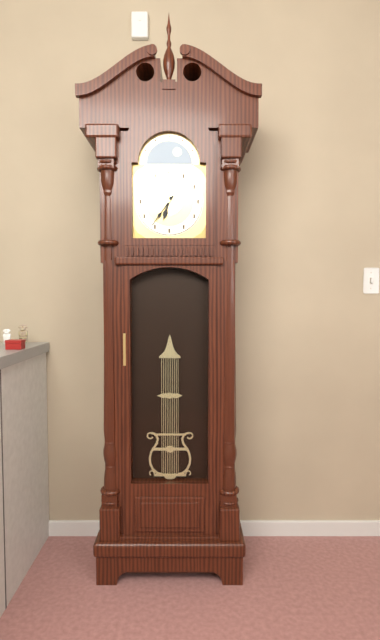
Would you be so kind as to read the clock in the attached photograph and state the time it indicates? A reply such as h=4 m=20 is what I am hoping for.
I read h=6 m=36
